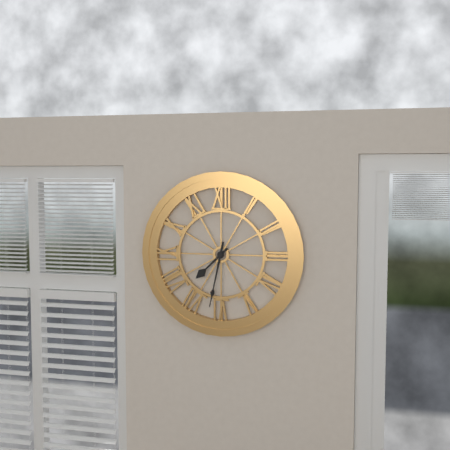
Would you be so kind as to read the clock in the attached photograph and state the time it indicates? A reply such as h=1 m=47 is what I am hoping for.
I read h=7 m=32
